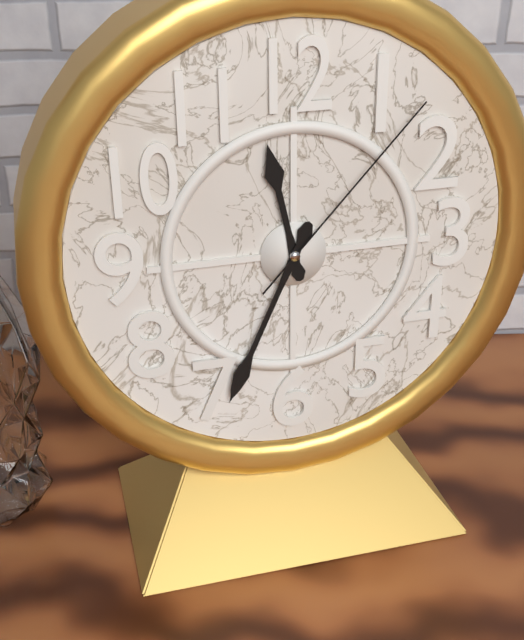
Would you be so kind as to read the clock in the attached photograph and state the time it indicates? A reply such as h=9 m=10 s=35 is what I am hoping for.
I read h=11 m=34 s=7
